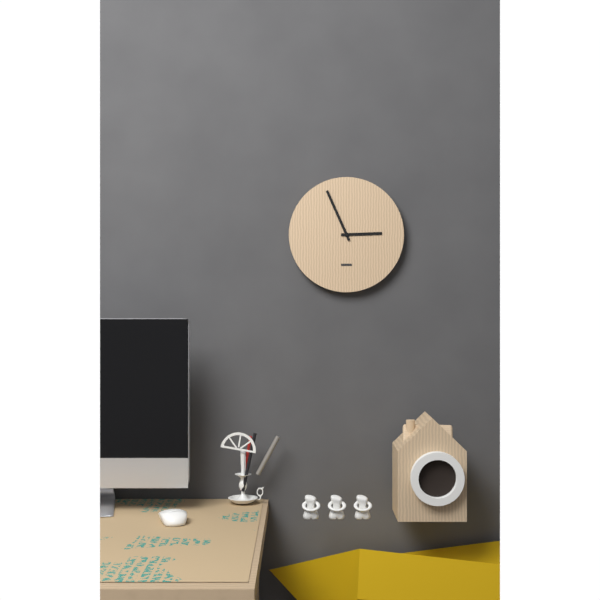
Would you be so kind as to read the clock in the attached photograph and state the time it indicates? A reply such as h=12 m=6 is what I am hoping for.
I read h=2 m=56
